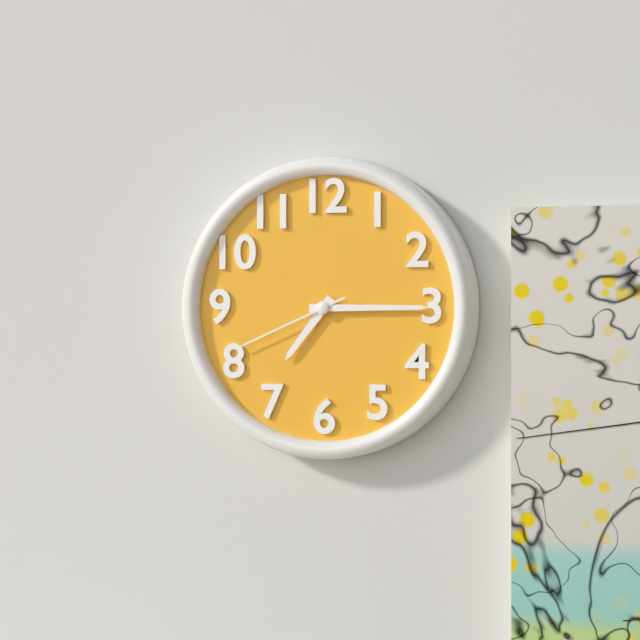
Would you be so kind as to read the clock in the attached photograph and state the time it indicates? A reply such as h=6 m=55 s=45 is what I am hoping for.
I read h=7 m=15 s=41
